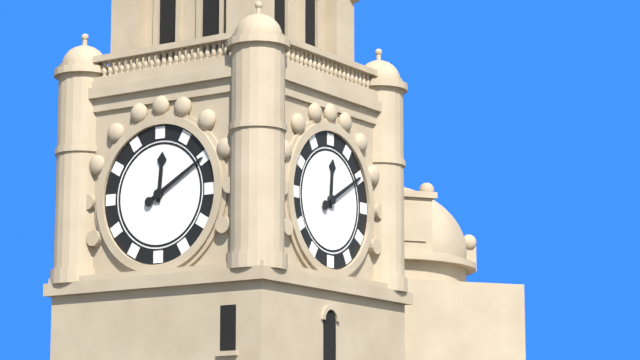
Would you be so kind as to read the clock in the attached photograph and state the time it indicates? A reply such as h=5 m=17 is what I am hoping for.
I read h=12 m=10
